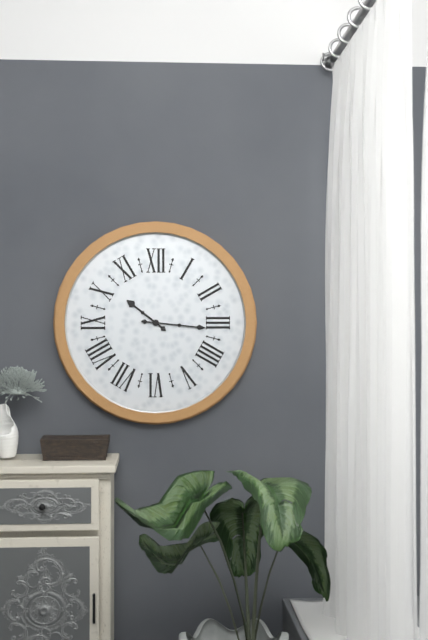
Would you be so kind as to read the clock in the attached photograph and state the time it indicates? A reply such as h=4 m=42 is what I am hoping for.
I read h=10 m=16
